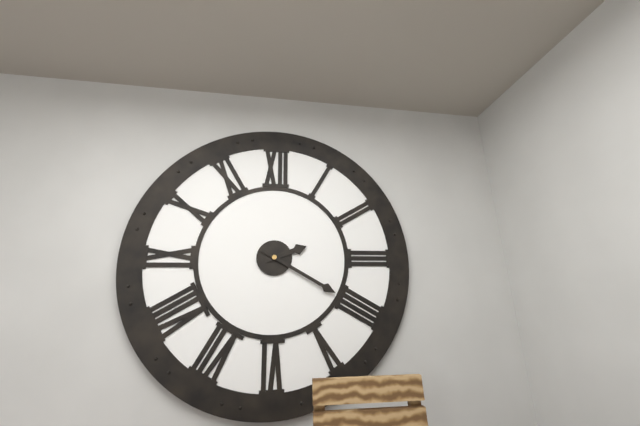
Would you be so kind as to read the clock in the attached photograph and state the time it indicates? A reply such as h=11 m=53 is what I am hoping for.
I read h=2 m=20
